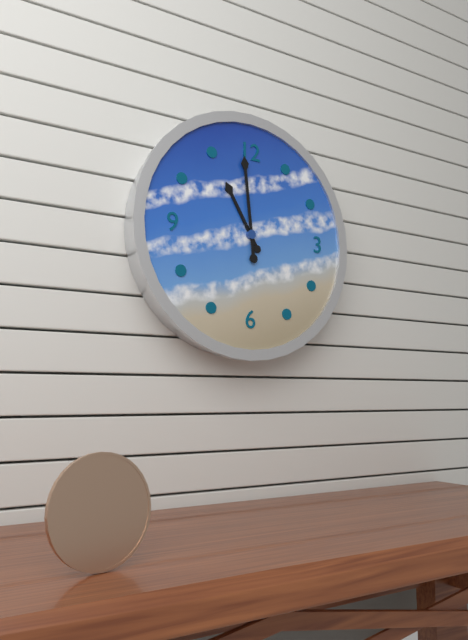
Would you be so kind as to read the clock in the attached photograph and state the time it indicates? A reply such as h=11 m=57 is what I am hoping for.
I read h=10 m=59
